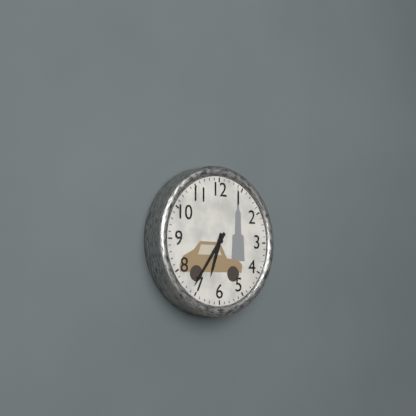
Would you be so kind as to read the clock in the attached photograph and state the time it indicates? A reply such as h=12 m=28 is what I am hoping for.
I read h=6 m=36
